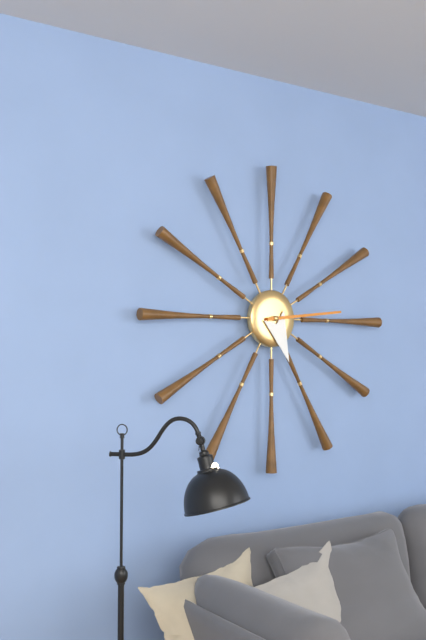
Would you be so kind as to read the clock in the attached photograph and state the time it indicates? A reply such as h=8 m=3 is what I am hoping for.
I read h=5 m=14
